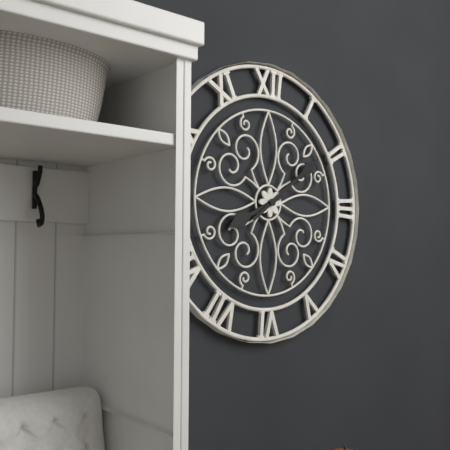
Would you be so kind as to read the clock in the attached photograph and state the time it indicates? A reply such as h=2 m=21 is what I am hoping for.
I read h=8 m=9
